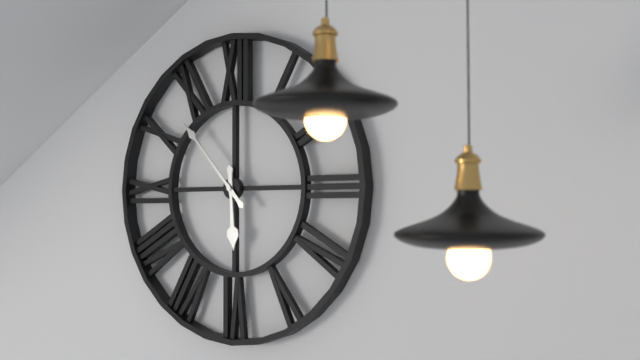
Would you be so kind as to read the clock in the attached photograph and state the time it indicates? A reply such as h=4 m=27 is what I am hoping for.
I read h=5 m=53
